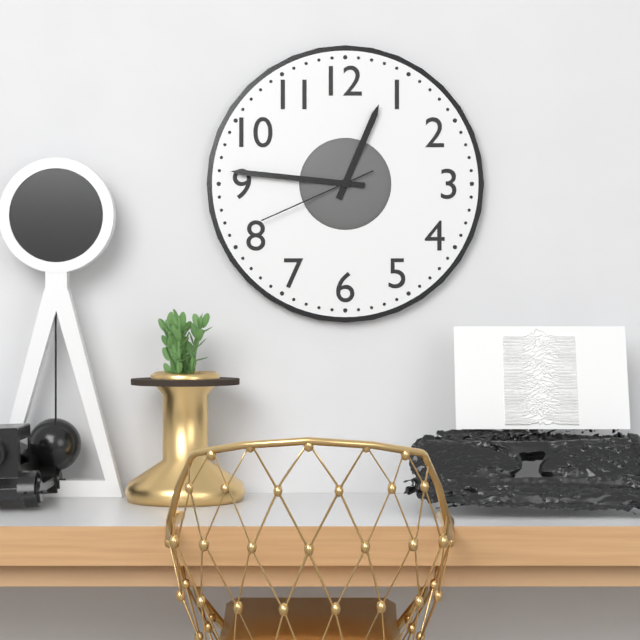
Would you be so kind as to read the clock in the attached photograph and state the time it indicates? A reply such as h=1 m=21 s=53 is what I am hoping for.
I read h=12 m=46 s=41
